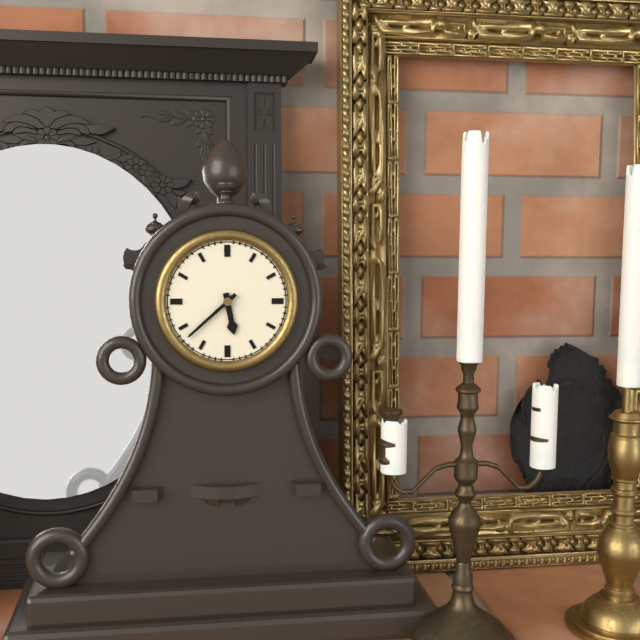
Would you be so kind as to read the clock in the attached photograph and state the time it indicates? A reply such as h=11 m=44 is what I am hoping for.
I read h=5 m=38
